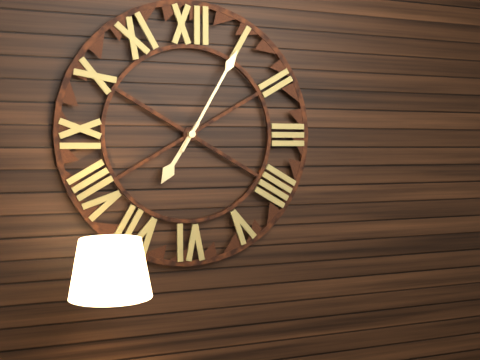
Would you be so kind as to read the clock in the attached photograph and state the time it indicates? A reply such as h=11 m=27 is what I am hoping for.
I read h=7 m=5
